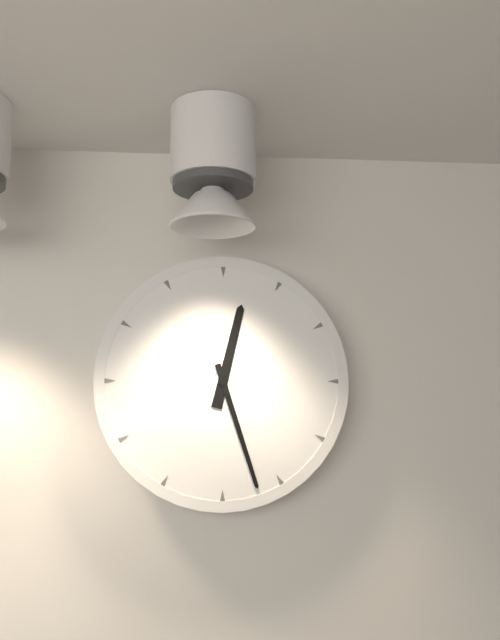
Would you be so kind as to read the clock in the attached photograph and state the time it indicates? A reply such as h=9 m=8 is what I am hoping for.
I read h=12 m=27
